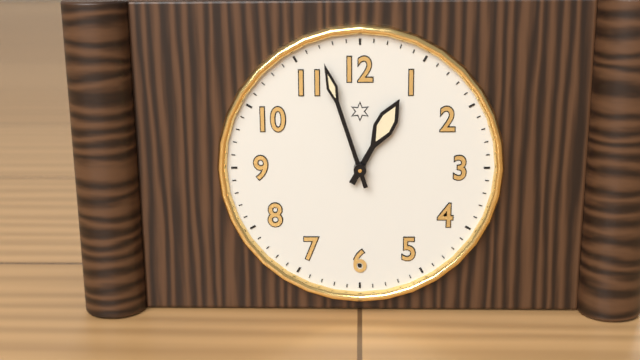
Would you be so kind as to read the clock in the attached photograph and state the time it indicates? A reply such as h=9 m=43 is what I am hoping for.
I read h=12 m=57
